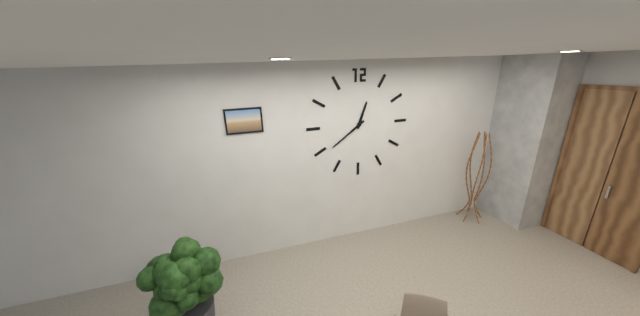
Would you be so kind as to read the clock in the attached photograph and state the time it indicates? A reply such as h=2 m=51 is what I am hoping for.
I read h=12 m=39
